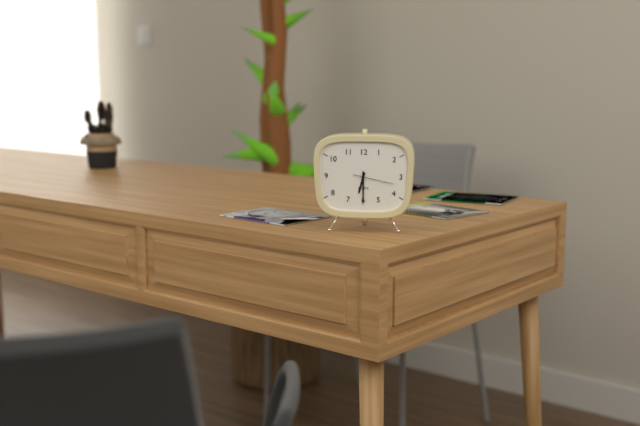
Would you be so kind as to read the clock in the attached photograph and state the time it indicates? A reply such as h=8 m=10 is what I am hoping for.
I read h=6 m=30
